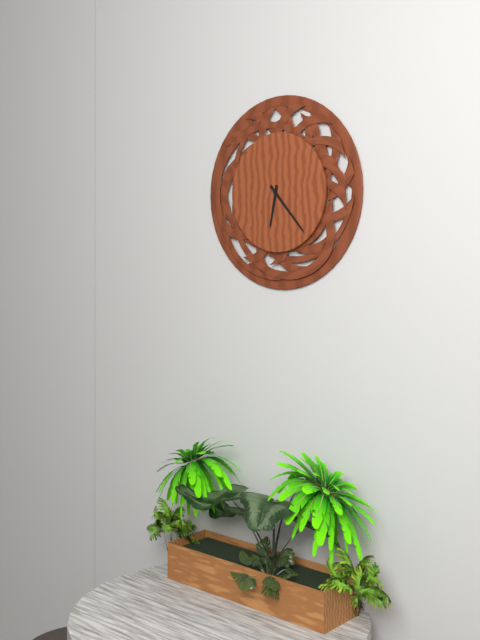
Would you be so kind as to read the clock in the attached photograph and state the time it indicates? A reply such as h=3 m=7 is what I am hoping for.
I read h=6 m=23
